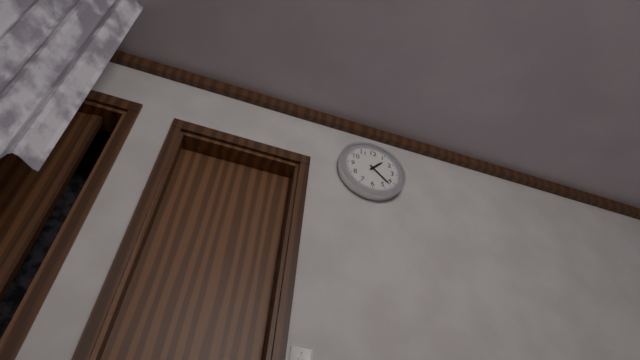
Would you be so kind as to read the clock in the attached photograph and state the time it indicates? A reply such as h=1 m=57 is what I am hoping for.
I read h=1 m=22
